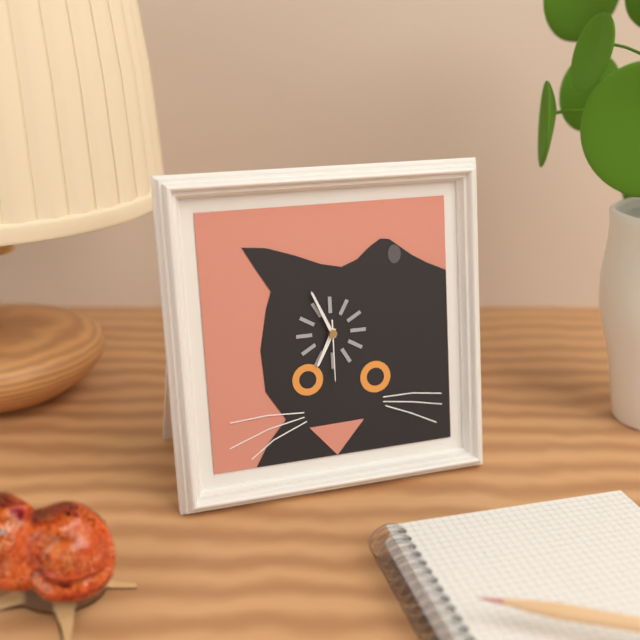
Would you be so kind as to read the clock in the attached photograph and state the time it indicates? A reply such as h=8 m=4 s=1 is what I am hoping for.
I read h=6 m=56 s=30
